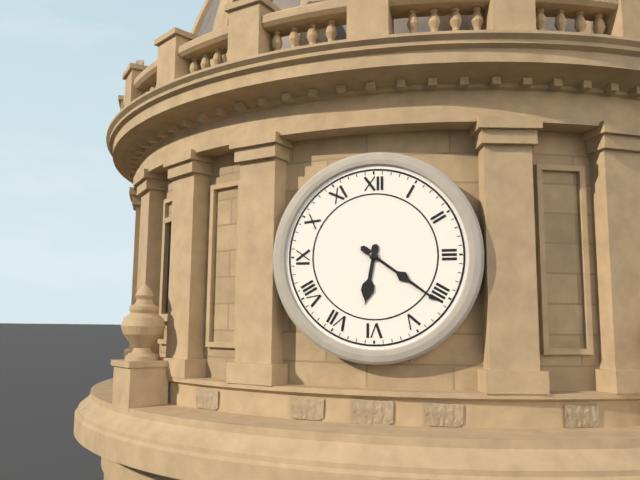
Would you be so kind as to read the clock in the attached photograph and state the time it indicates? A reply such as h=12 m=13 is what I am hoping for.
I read h=6 m=21
